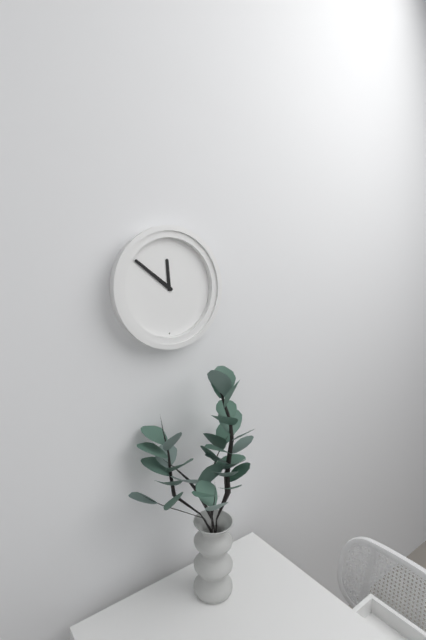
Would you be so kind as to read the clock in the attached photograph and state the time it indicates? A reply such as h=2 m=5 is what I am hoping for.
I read h=11 m=51
